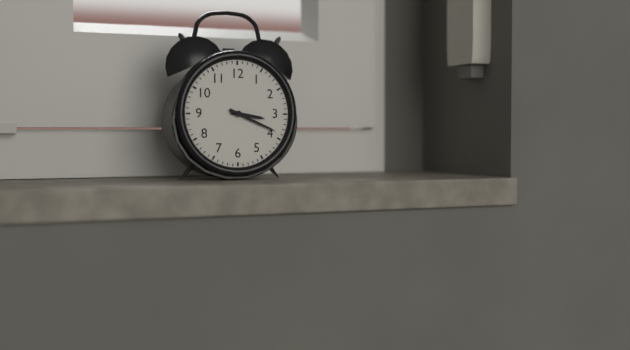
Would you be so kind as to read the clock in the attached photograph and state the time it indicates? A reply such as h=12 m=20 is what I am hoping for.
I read h=3 m=19
